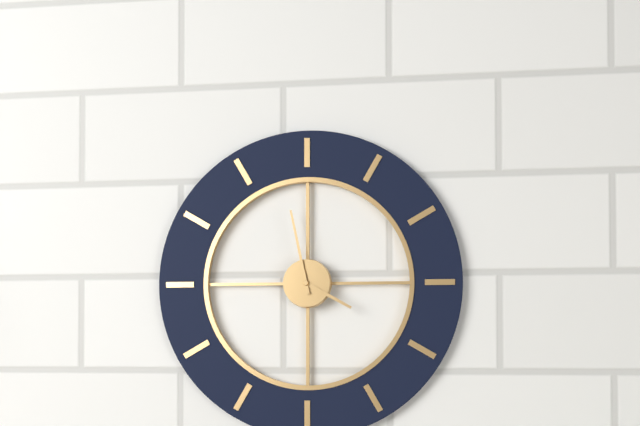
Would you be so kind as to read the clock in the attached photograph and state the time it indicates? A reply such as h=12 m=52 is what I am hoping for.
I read h=3 m=58
